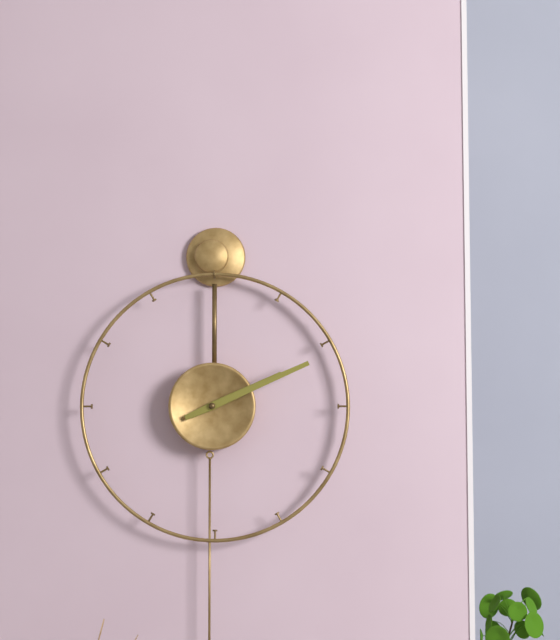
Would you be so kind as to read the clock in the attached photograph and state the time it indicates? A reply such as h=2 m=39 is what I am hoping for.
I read h=2 m=11
